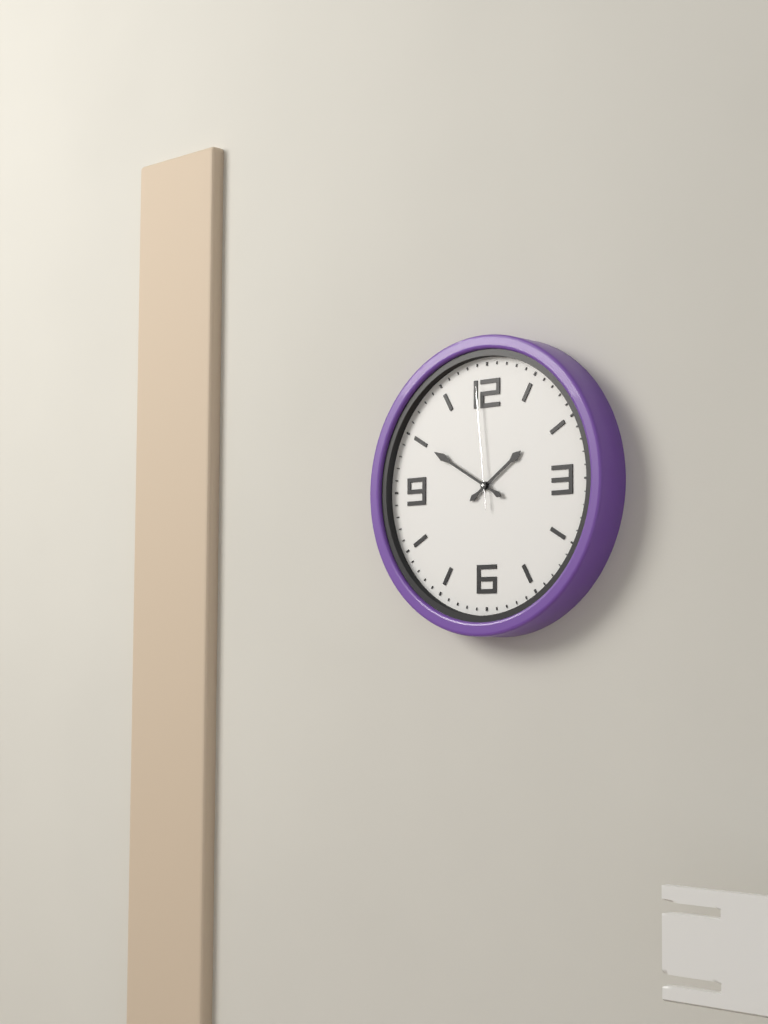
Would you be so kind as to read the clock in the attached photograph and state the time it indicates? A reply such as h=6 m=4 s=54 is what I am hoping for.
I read h=1 m=50 s=59
